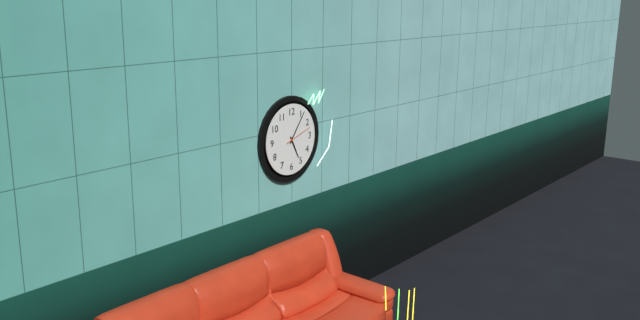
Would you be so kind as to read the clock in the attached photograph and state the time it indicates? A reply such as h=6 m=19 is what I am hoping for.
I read h=5 m=6
